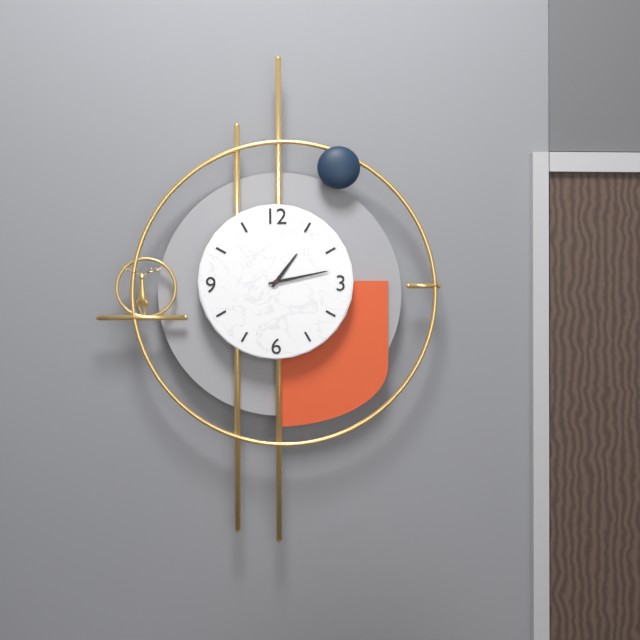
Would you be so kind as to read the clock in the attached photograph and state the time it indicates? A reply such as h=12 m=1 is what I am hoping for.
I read h=1 m=13
